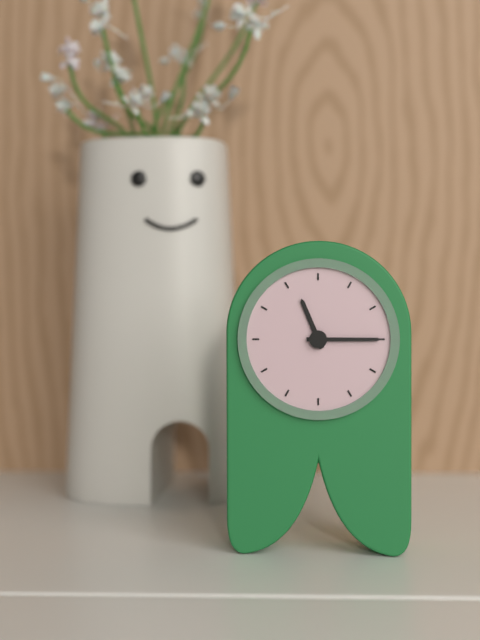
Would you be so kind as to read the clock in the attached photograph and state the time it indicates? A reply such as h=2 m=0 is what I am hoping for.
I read h=11 m=15
